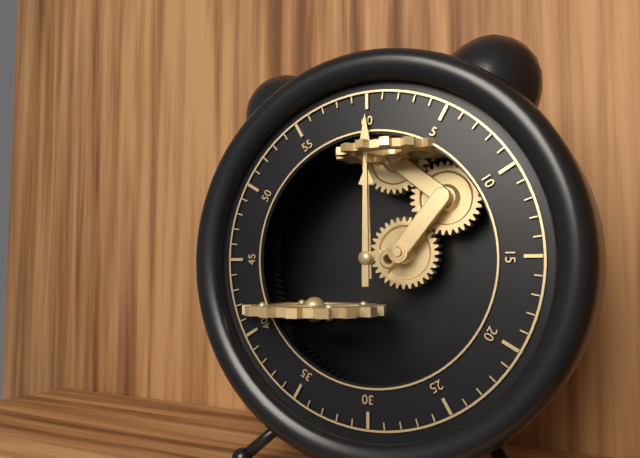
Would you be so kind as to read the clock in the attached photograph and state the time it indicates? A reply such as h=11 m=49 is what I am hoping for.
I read h=12 m=0
